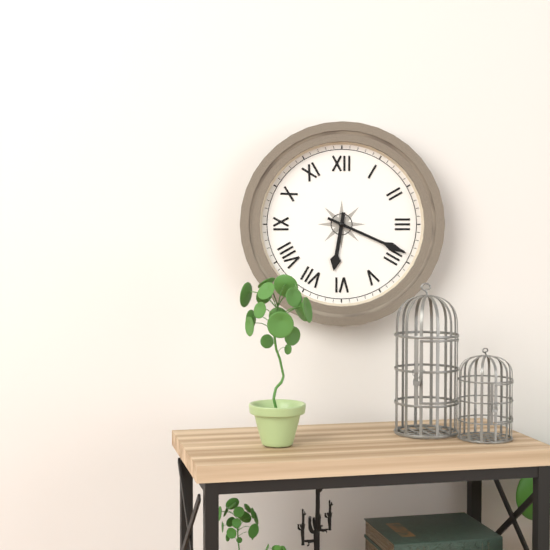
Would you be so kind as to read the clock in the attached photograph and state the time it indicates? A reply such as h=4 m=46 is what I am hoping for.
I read h=6 m=19
